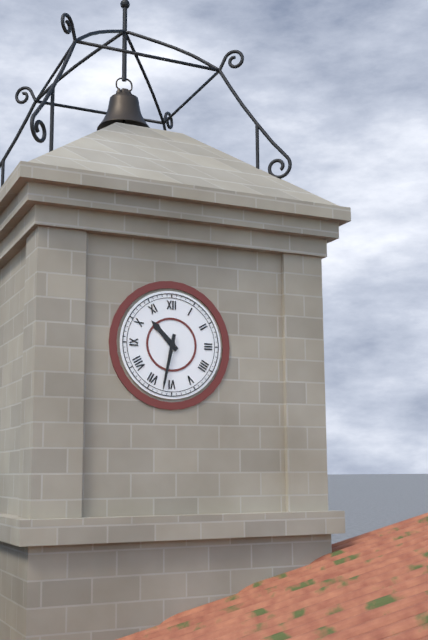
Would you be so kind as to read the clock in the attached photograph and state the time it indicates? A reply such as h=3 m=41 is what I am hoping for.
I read h=10 m=32
